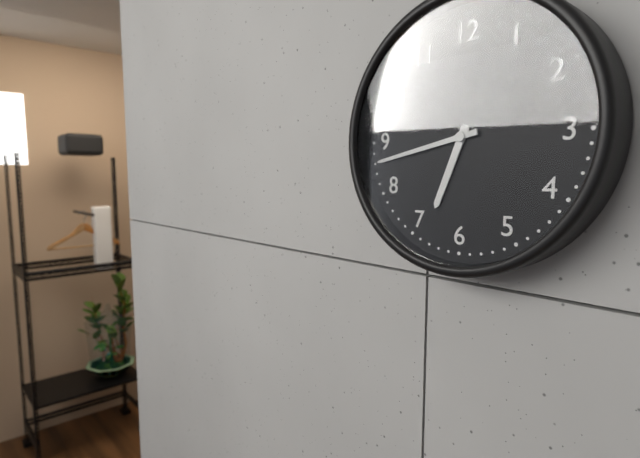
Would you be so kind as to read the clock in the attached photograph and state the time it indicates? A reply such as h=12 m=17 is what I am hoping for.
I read h=6 m=43
